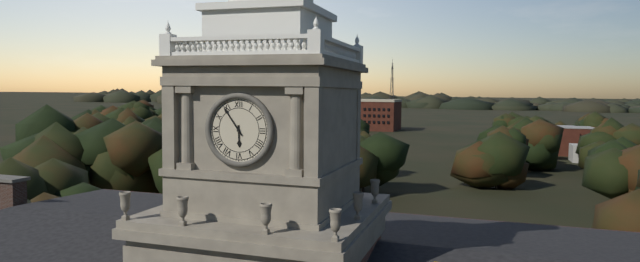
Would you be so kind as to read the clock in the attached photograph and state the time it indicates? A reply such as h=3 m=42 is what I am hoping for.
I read h=5 m=54
